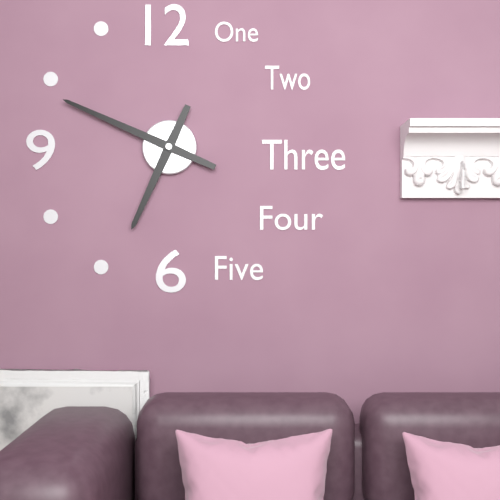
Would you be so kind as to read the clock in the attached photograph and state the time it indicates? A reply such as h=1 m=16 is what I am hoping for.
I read h=6 m=49
